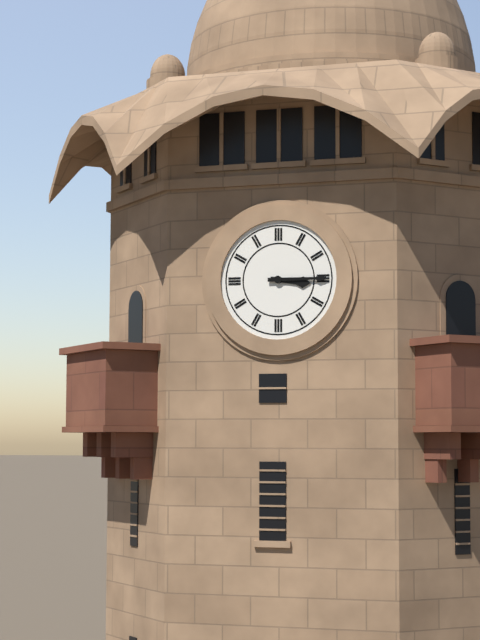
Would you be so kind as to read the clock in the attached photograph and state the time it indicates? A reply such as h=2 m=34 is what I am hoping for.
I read h=3 m=15
